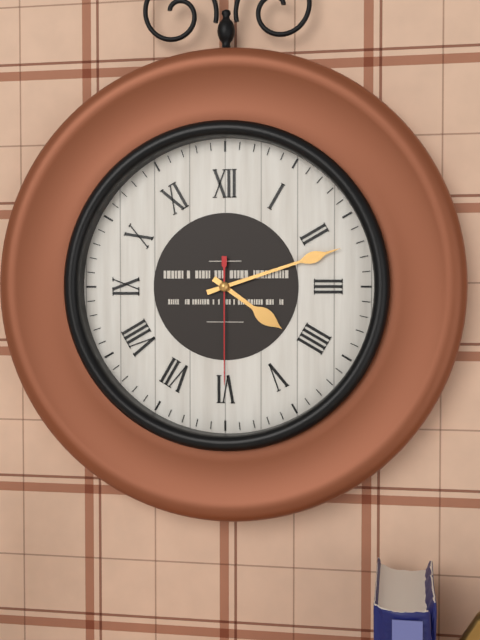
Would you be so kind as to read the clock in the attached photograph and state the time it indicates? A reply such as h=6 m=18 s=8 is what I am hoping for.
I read h=4 m=12 s=30
